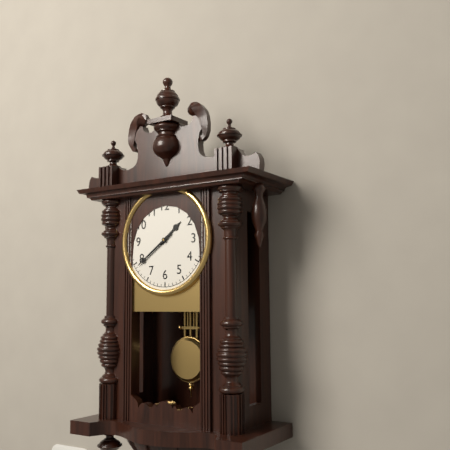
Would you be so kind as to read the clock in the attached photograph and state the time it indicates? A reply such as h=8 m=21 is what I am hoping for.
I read h=1 m=39
